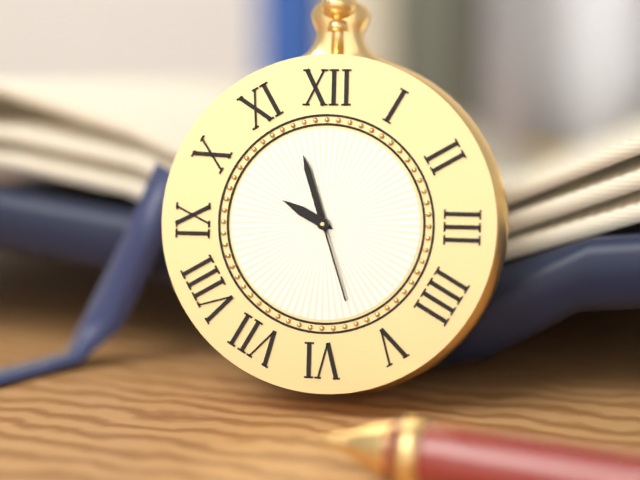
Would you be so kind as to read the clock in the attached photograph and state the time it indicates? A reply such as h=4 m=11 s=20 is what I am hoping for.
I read h=9 m=57 s=27
